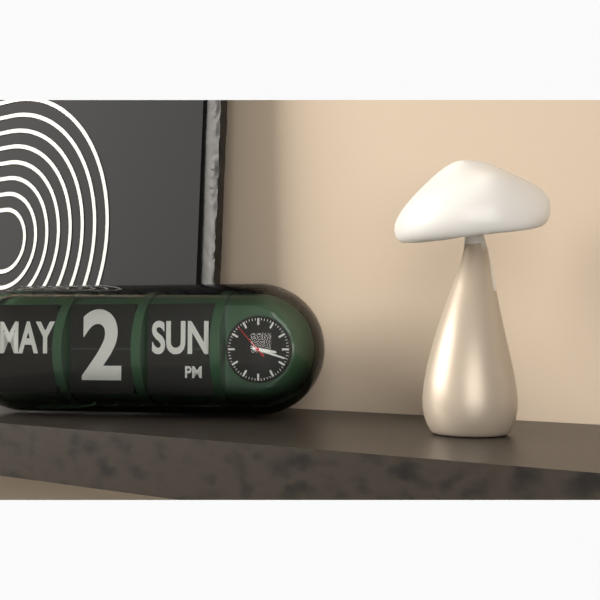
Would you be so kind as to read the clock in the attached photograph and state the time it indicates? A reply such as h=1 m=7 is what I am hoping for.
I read h=3 m=18
